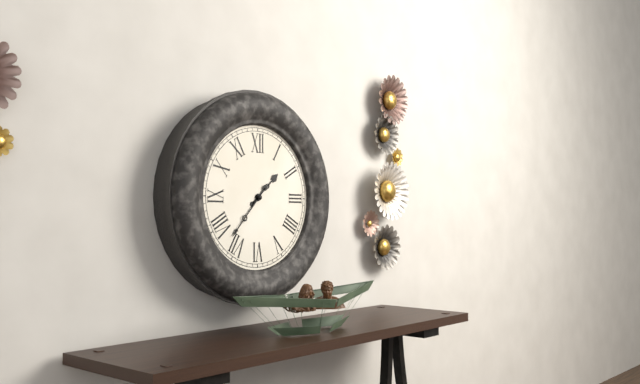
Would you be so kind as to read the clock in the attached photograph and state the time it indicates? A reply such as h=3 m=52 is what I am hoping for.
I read h=1 m=37
